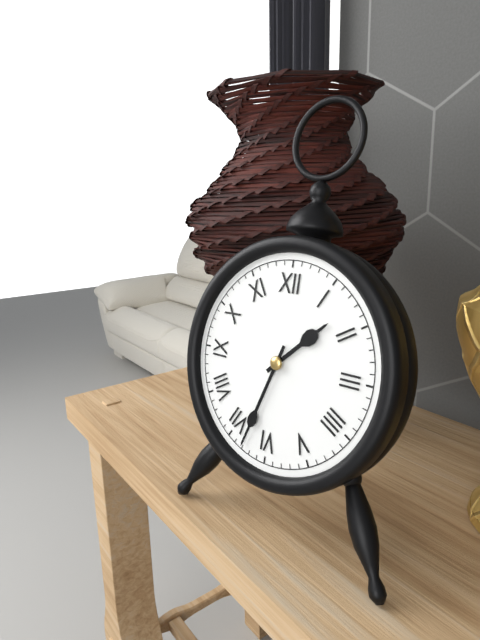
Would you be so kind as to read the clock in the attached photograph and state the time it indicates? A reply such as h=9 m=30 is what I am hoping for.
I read h=1 m=33
